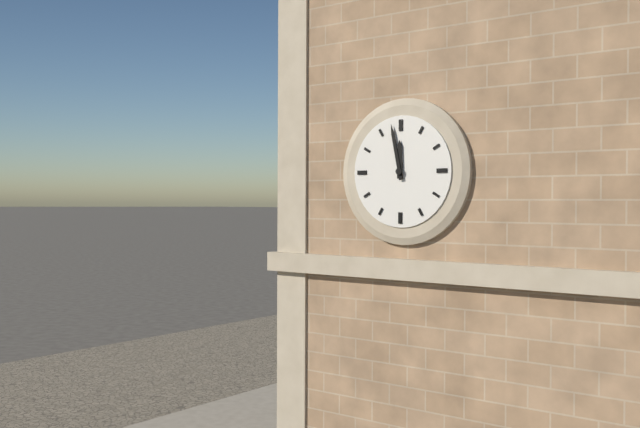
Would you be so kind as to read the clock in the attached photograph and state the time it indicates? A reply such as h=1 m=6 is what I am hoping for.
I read h=11 m=58
